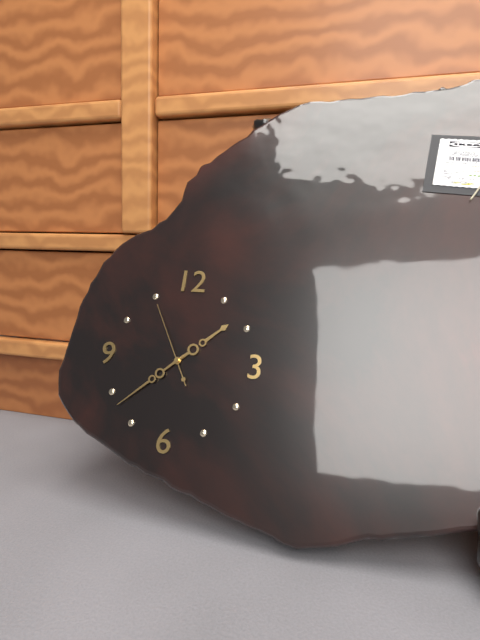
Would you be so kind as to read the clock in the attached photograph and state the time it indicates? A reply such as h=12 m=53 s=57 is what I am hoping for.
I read h=1 m=38 s=55
